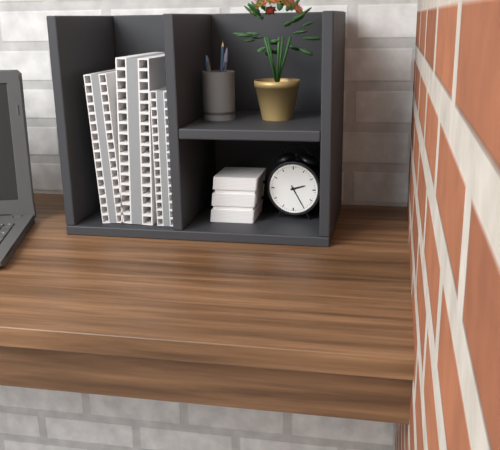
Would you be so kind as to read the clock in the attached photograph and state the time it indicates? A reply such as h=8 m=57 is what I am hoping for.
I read h=2 m=25
